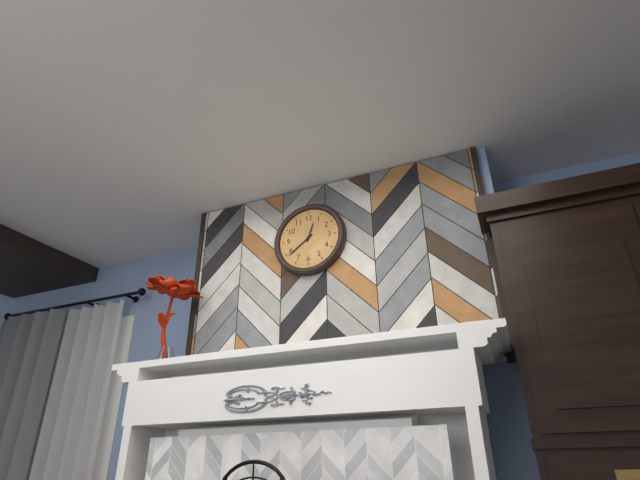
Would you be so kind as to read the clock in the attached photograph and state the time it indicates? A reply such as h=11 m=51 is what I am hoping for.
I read h=12 m=39
